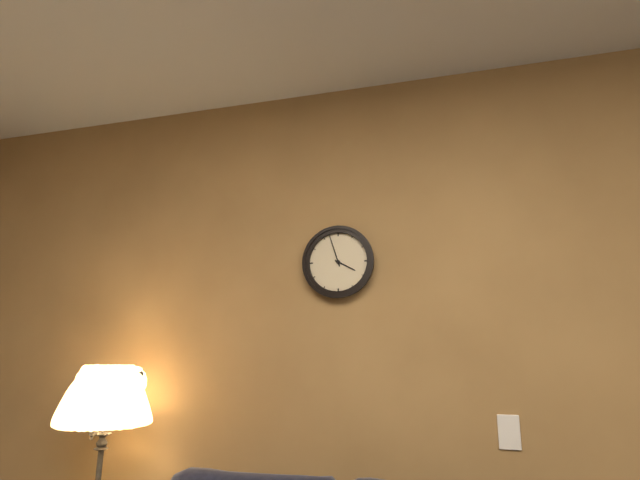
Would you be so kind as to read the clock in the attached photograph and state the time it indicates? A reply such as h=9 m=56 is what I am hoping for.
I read h=3 m=57
